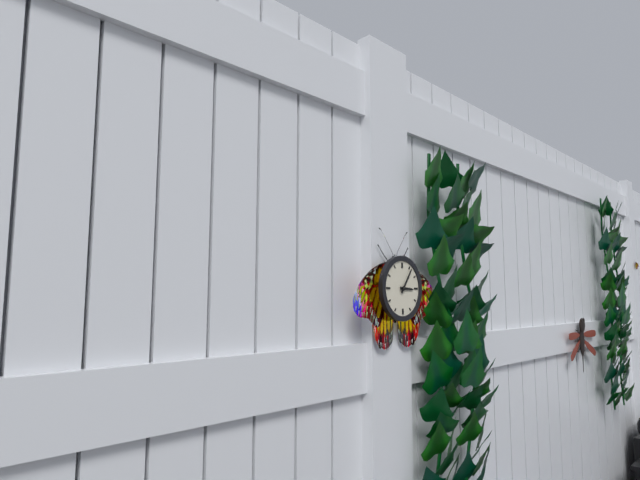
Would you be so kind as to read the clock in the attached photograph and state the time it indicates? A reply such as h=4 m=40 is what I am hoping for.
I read h=3 m=6
